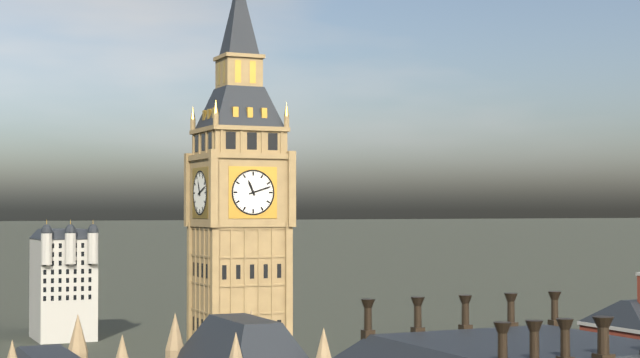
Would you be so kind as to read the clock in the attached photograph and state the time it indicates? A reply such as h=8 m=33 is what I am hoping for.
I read h=11 m=12
